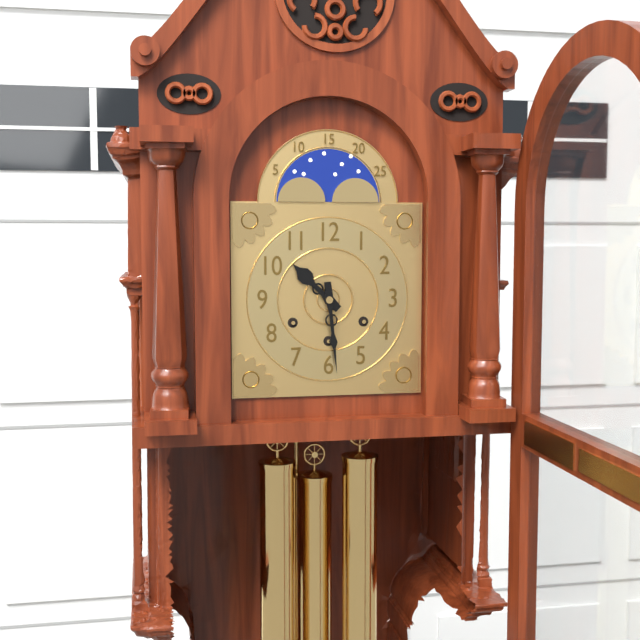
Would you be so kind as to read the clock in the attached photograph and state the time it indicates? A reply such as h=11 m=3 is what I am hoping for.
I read h=10 m=29
